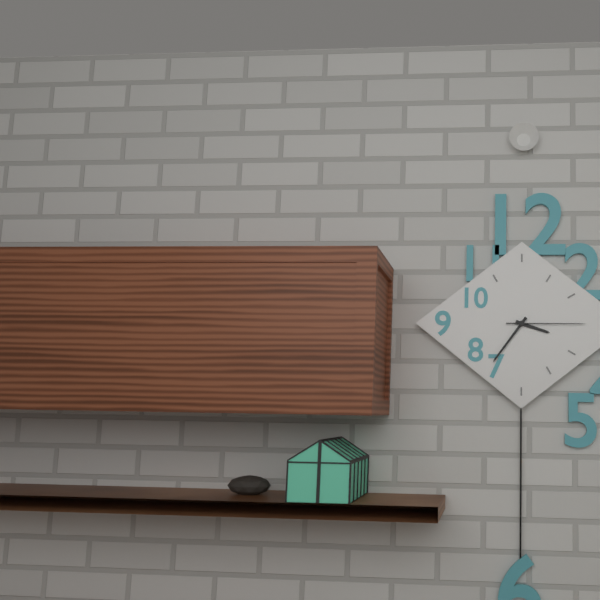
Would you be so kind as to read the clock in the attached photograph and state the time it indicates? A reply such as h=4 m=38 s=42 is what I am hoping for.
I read h=3 m=36 s=15
